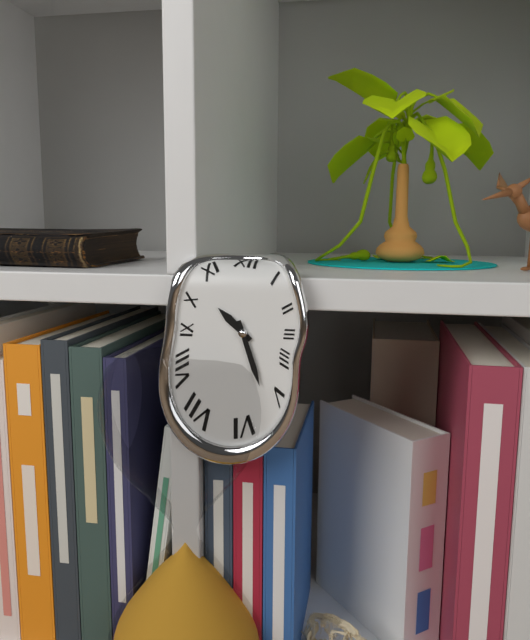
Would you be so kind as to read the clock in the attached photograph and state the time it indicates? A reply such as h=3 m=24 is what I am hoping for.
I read h=10 m=27
